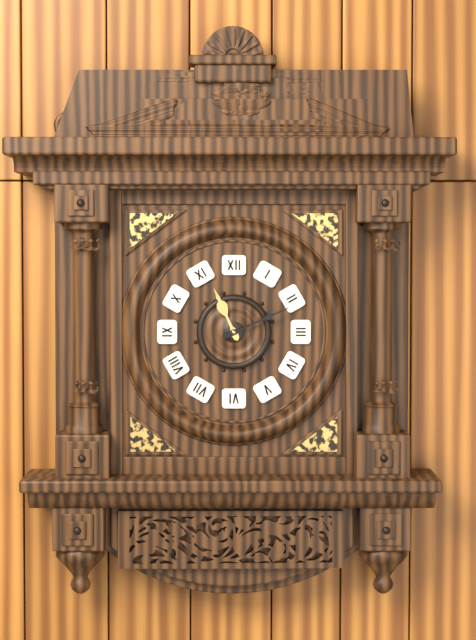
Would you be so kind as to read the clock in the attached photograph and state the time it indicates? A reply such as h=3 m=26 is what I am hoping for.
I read h=11 m=11
